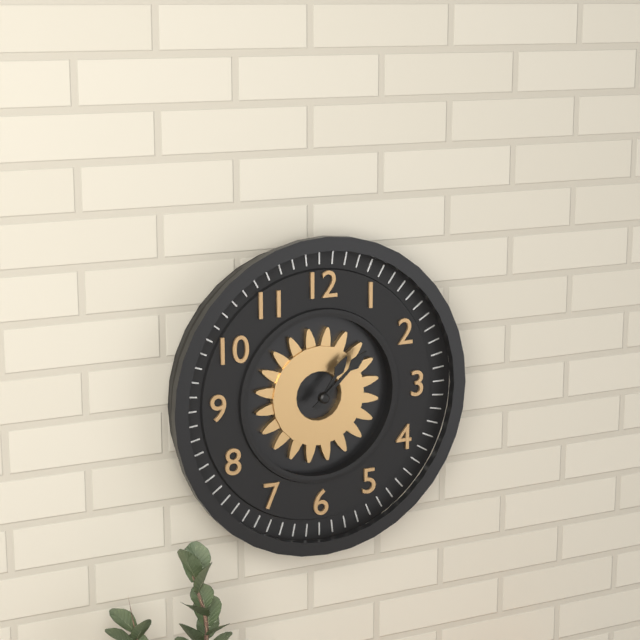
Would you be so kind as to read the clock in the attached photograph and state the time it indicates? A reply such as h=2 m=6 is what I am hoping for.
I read h=1 m=8
